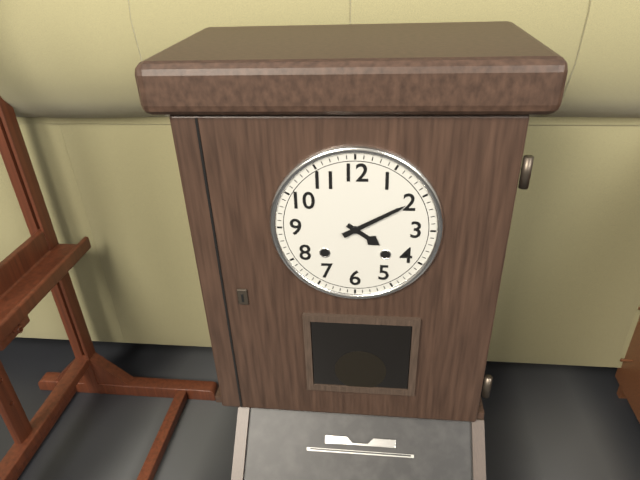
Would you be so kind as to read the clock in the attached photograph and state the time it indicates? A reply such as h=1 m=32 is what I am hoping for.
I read h=4 m=10
